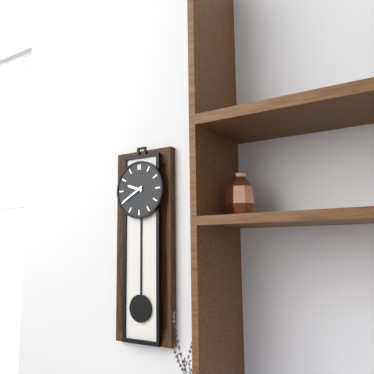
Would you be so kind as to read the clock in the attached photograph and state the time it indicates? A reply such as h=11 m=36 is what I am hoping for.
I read h=9 m=40
